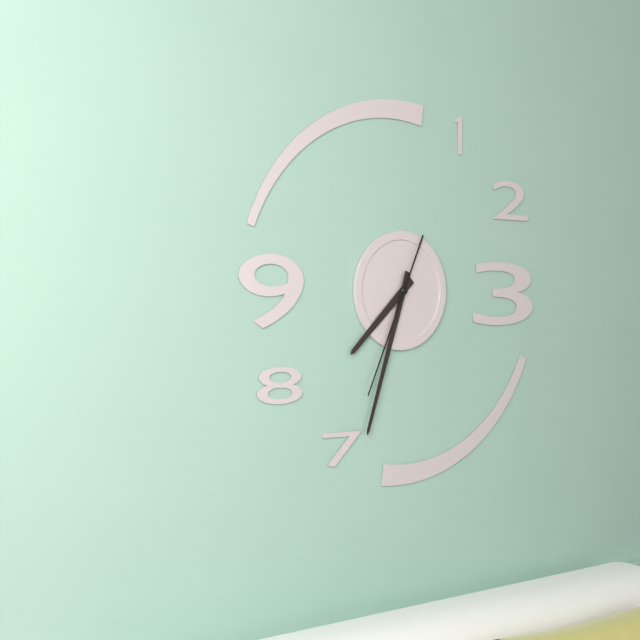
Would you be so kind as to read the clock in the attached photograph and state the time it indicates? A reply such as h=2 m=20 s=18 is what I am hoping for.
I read h=7 m=33 s=34
